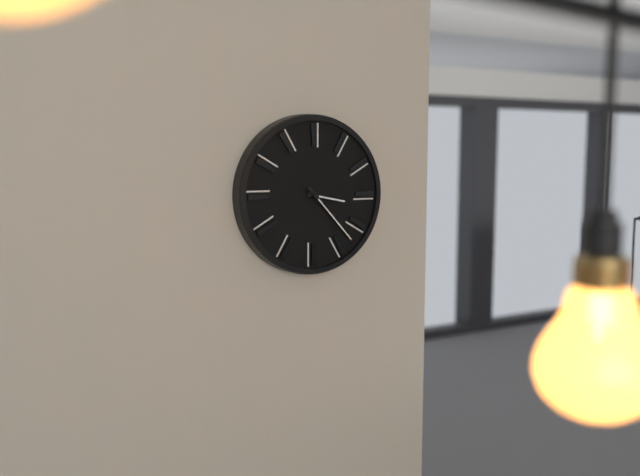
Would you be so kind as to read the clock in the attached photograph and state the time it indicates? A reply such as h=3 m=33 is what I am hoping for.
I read h=3 m=23
